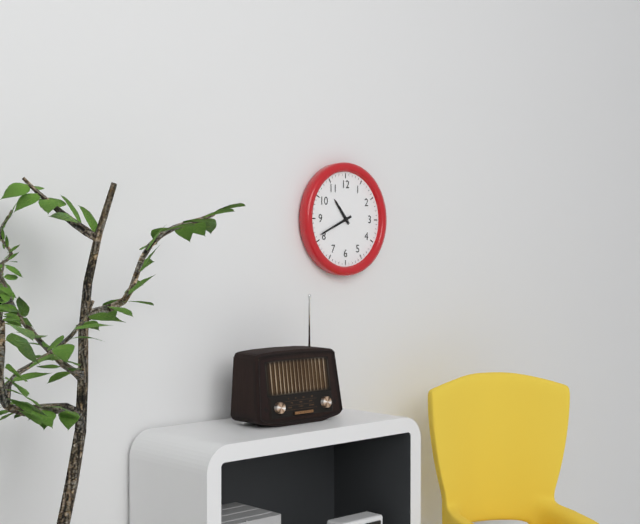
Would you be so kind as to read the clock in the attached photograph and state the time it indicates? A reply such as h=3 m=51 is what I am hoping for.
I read h=10 m=41
